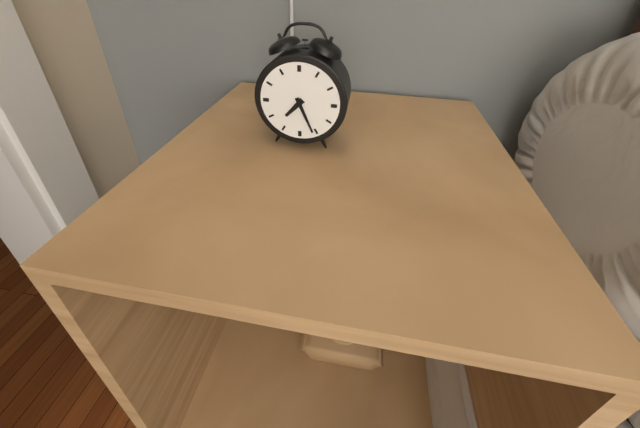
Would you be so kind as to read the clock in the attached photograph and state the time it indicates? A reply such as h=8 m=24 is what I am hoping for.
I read h=7 m=26
